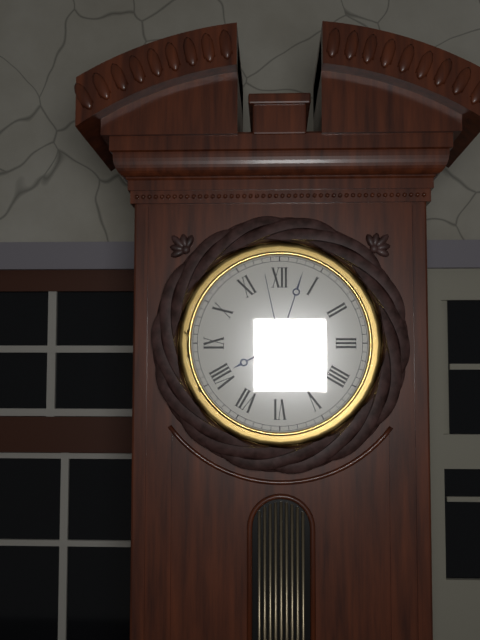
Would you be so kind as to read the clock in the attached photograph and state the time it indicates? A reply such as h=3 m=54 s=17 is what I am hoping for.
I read h=8 m=3 s=58
